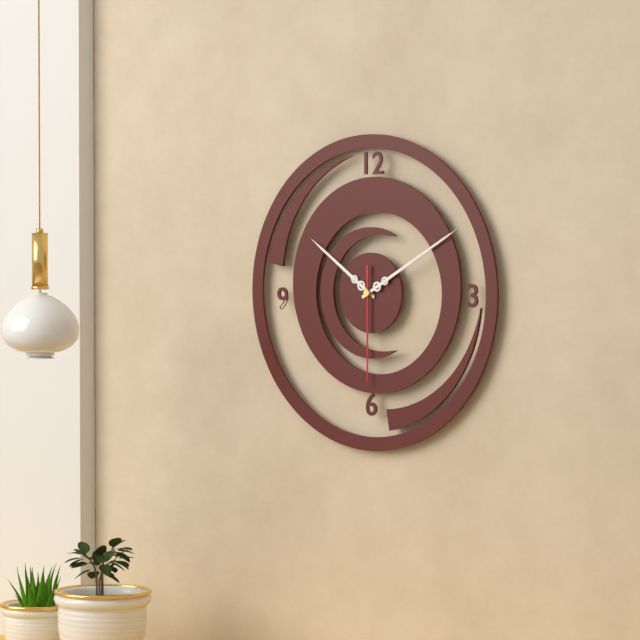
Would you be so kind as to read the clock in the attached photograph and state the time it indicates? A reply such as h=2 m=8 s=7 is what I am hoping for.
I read h=10 m=10 s=30
